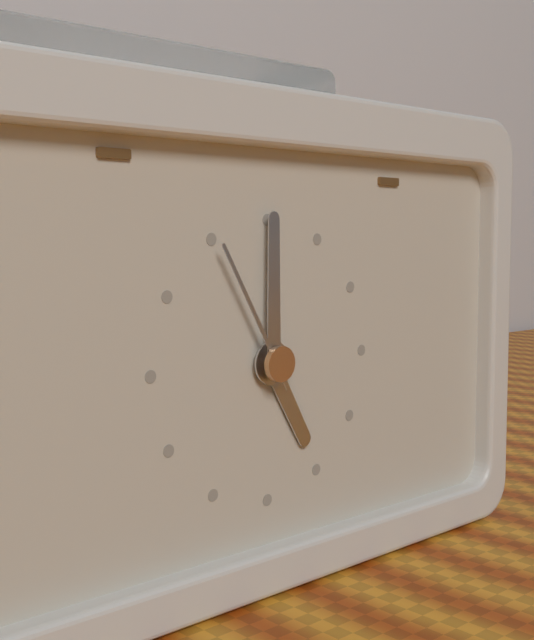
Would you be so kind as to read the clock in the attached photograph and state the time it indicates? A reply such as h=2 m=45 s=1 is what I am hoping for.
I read h=5 m=0 s=55
